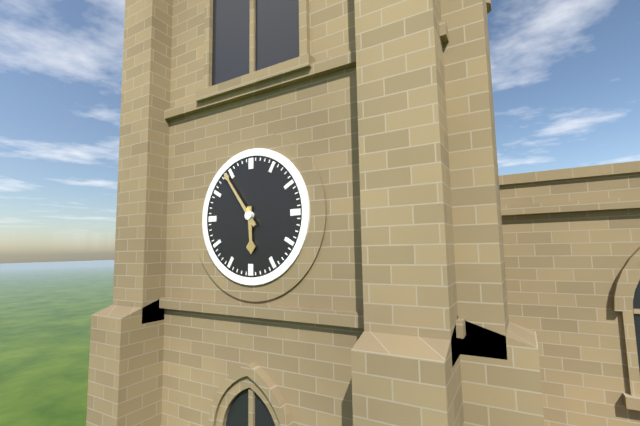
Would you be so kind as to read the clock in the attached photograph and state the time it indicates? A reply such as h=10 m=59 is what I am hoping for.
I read h=5 m=54
